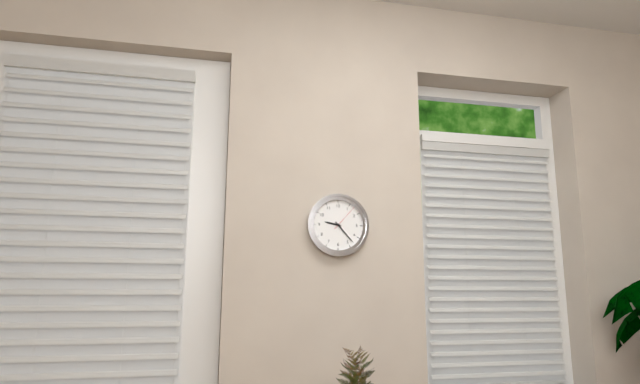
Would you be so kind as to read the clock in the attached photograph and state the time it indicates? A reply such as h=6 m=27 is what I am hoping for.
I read h=9 m=23
